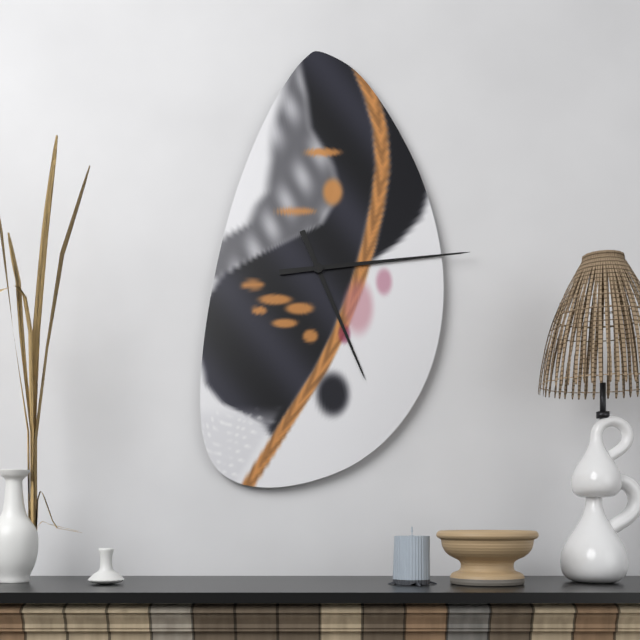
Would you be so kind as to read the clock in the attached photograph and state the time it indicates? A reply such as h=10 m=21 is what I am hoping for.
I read h=5 m=14
